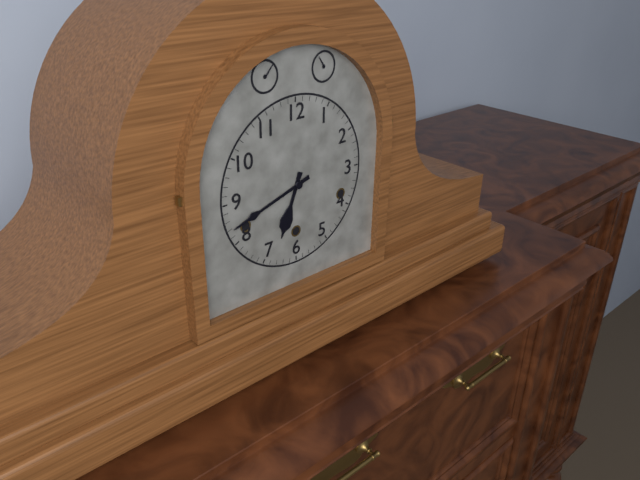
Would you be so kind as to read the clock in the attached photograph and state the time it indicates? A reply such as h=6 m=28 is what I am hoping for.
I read h=6 m=42
